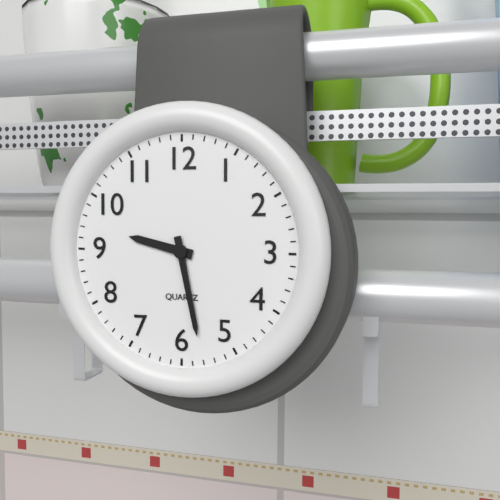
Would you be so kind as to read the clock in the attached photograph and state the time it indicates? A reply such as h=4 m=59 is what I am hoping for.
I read h=9 m=28
